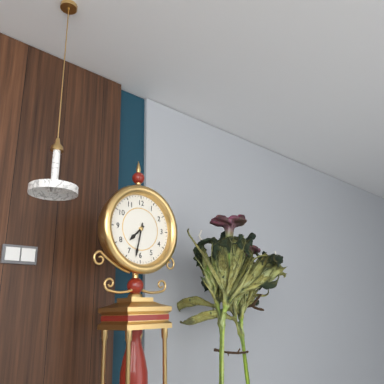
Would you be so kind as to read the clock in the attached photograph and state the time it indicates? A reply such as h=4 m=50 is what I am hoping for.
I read h=7 m=32
